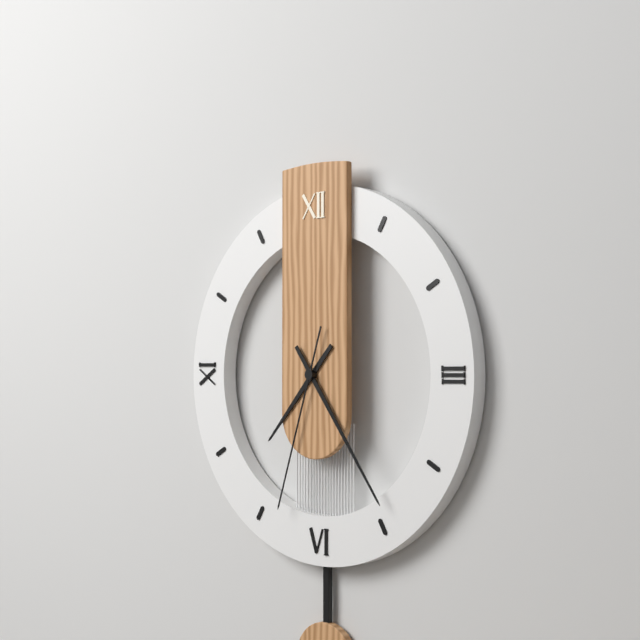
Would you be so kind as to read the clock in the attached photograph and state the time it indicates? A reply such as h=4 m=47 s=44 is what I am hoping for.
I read h=7 m=24 s=33
